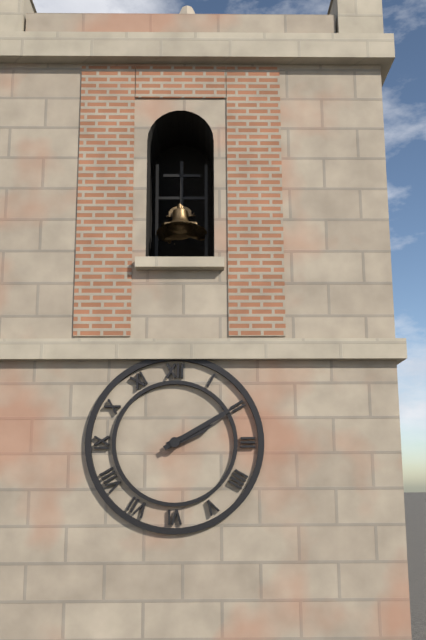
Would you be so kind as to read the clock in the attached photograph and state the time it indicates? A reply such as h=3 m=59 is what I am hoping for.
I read h=2 m=10
